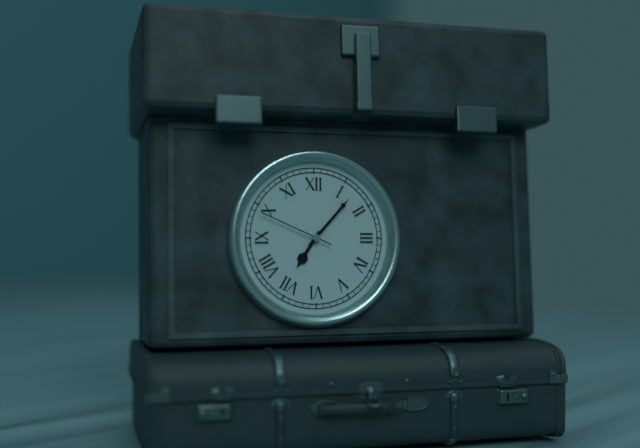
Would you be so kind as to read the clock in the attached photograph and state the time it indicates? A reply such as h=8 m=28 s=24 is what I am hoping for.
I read h=7 m=7 s=49
